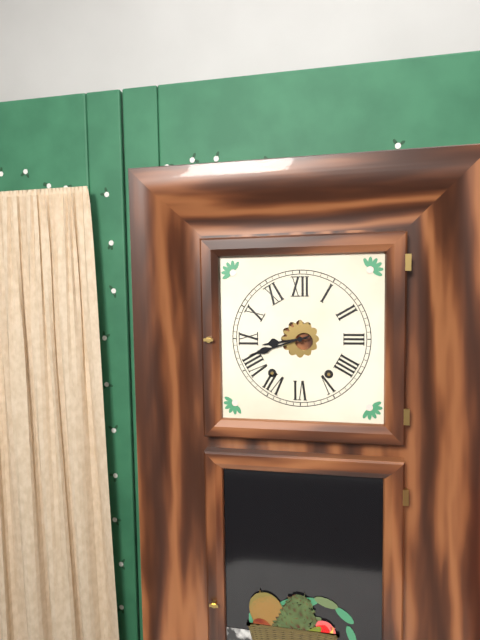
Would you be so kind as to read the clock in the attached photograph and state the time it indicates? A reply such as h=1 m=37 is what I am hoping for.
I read h=8 m=42
